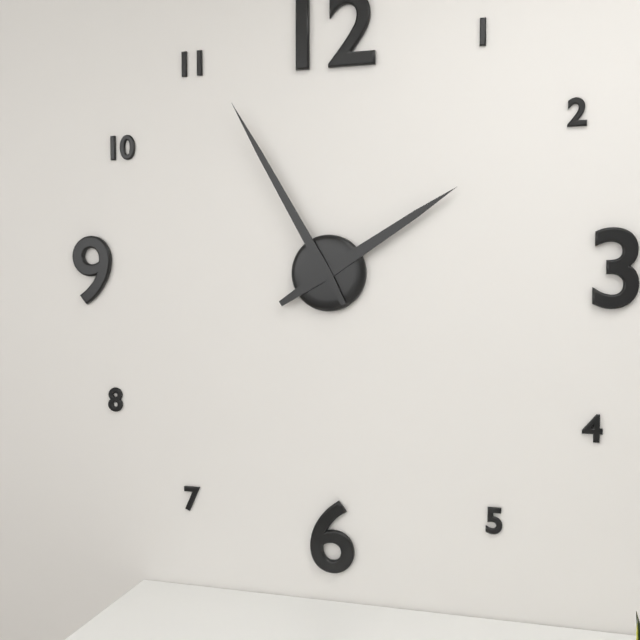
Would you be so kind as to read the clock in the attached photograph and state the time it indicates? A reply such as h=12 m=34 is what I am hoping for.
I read h=1 m=55
